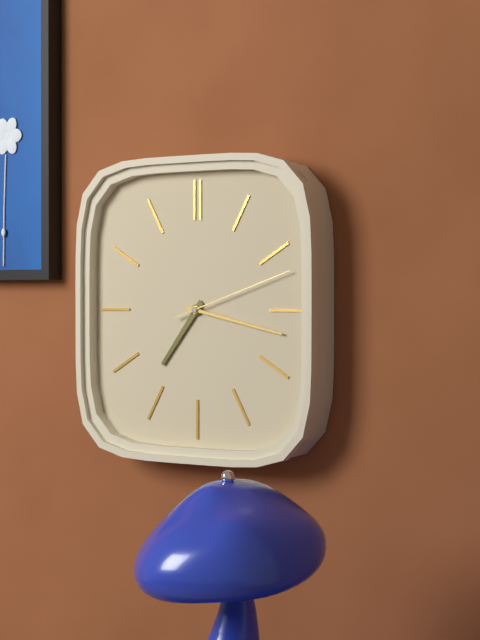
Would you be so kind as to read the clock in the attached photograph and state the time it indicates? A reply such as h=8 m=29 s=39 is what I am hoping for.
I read h=7 m=17 s=12
